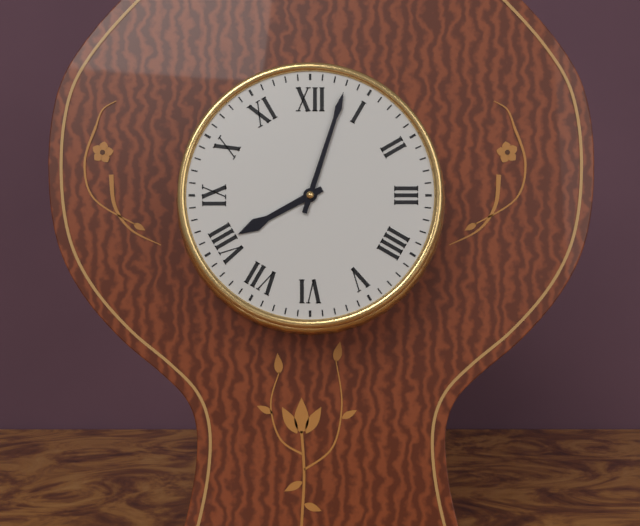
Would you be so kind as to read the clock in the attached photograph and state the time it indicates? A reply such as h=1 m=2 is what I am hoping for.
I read h=8 m=3
